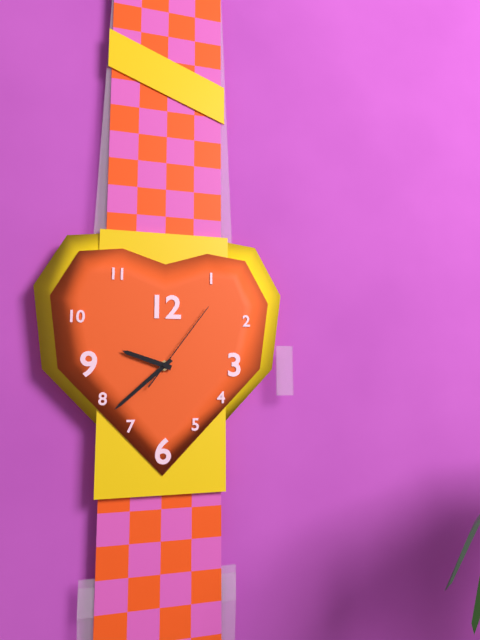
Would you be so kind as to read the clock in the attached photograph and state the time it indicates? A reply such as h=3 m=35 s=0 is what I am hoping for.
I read h=9 m=38 s=6
